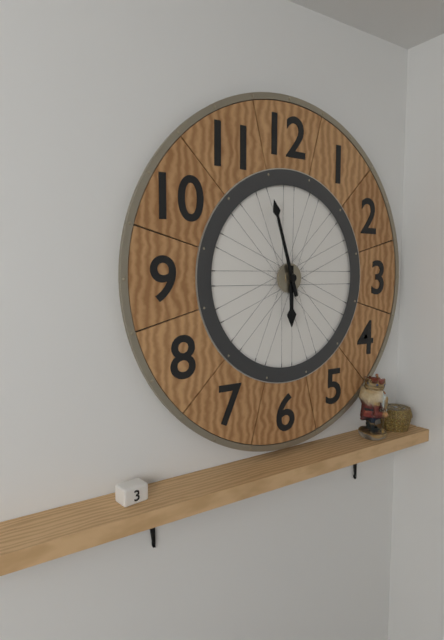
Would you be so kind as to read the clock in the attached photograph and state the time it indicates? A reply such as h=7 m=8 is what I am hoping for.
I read h=5 m=57
